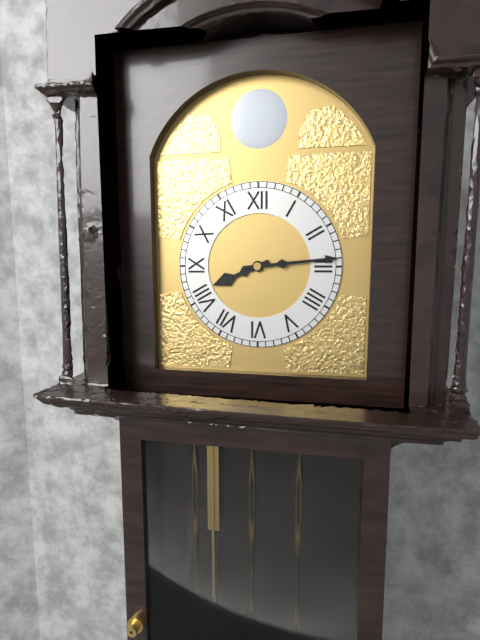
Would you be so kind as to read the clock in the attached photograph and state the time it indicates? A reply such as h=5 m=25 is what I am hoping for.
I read h=8 m=14
